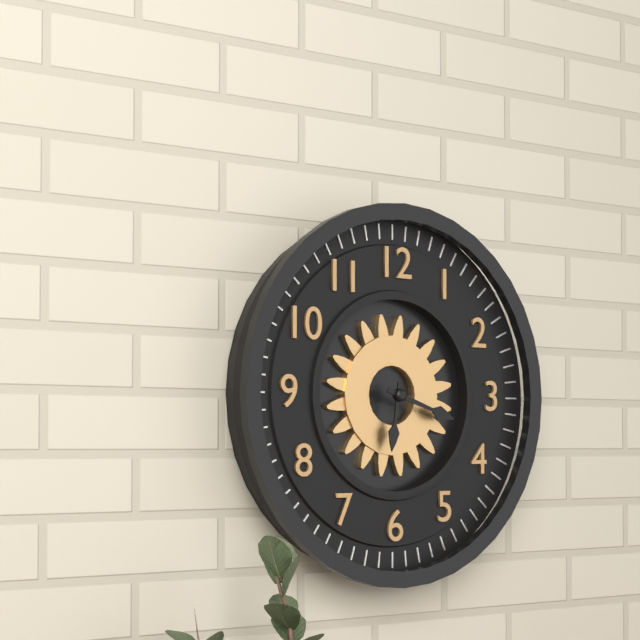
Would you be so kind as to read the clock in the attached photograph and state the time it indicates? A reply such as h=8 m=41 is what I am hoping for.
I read h=6 m=18
